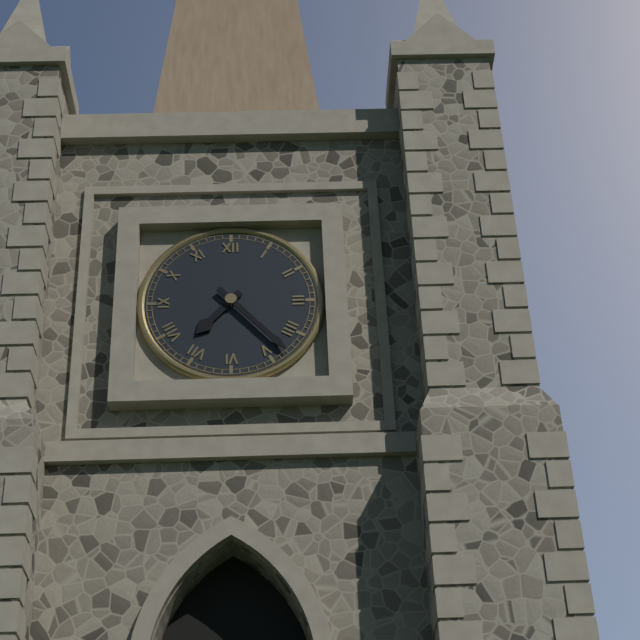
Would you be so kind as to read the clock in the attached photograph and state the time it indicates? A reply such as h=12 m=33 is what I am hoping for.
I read h=7 m=23
